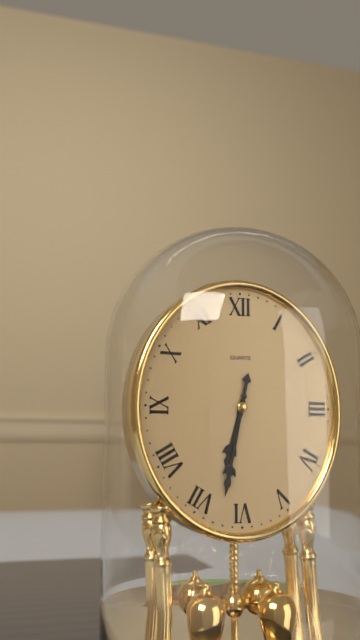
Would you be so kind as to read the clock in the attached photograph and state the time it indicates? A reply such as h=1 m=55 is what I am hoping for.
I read h=6 m=32
